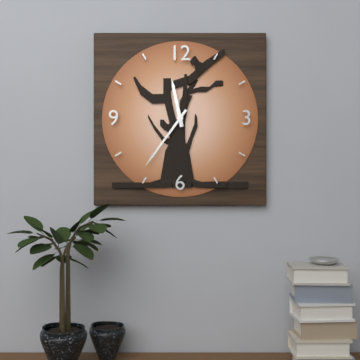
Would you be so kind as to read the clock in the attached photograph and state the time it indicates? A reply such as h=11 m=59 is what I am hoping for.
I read h=11 m=36
